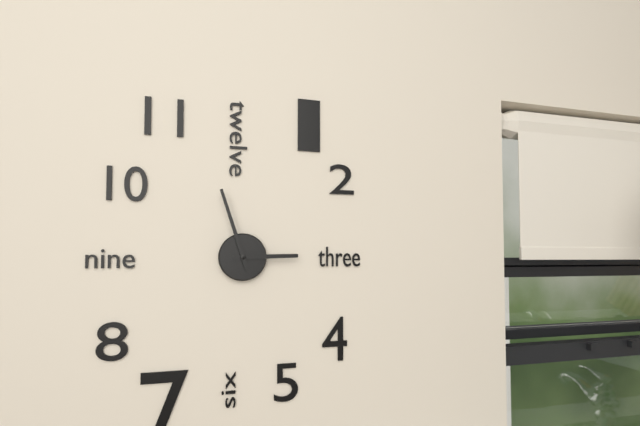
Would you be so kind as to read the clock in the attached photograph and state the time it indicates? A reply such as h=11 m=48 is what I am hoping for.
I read h=2 m=57
